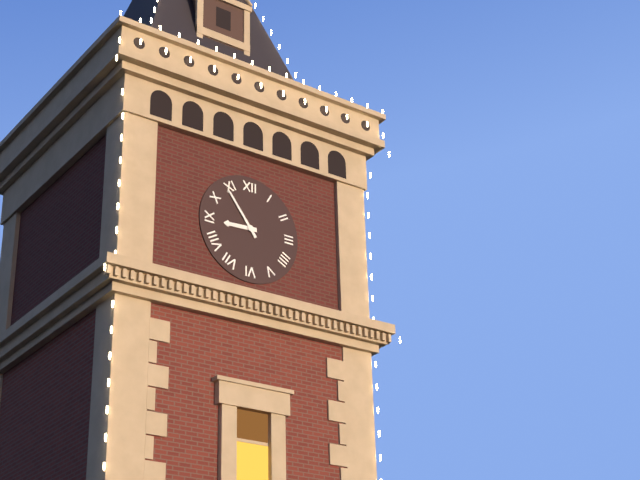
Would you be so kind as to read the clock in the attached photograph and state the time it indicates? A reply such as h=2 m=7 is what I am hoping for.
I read h=8 m=54
